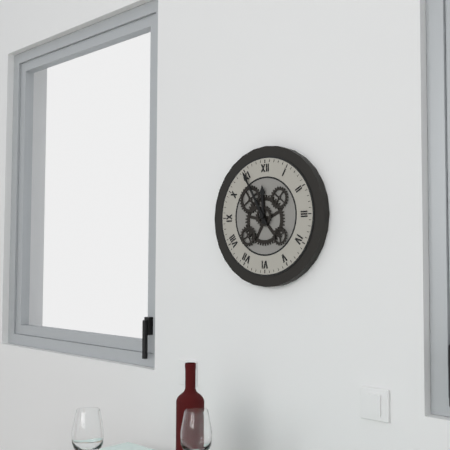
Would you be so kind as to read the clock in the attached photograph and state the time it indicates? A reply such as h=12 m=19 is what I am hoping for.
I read h=11 m=55
